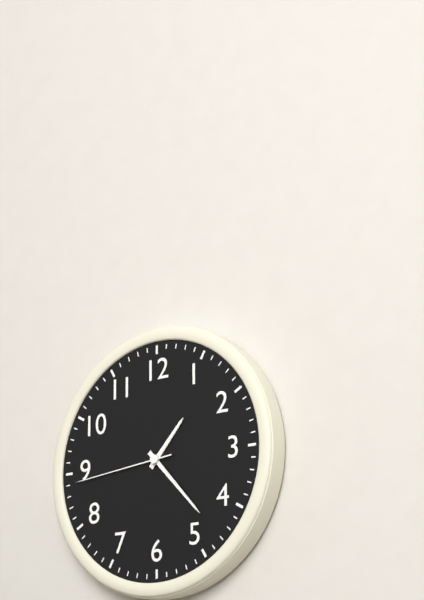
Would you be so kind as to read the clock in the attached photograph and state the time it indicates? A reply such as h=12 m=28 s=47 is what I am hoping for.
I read h=1 m=23 s=44
